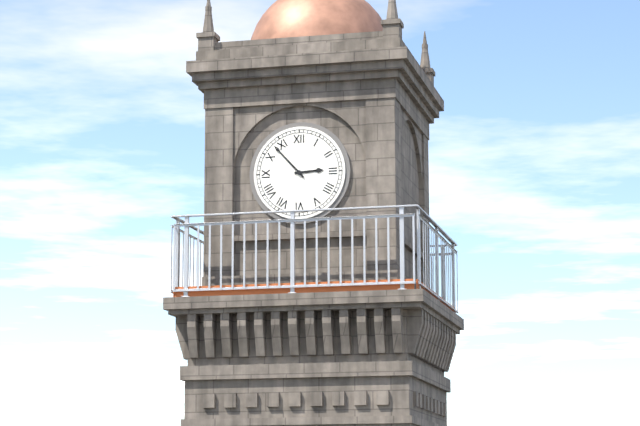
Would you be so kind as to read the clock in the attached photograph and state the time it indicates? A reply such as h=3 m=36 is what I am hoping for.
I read h=2 m=53
